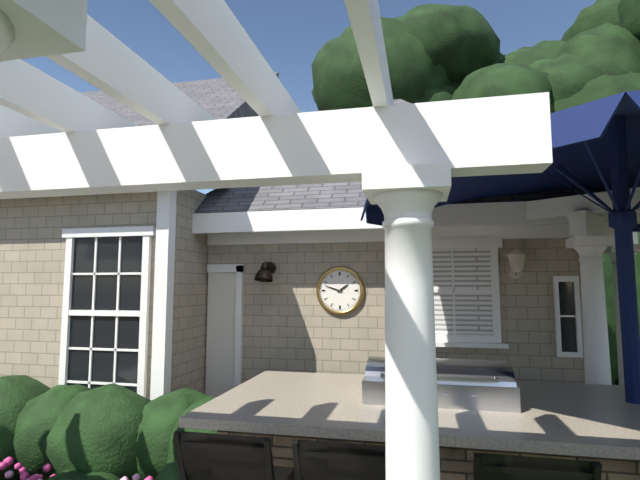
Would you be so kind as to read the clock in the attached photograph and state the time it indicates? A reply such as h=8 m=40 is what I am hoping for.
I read h=1 m=48
